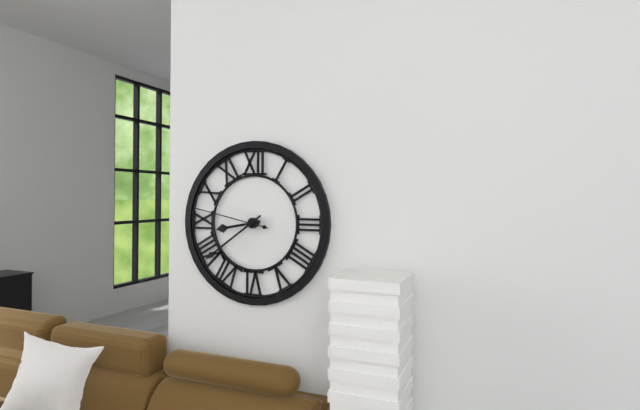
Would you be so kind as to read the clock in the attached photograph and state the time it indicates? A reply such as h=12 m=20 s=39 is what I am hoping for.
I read h=8 m=39 s=47
